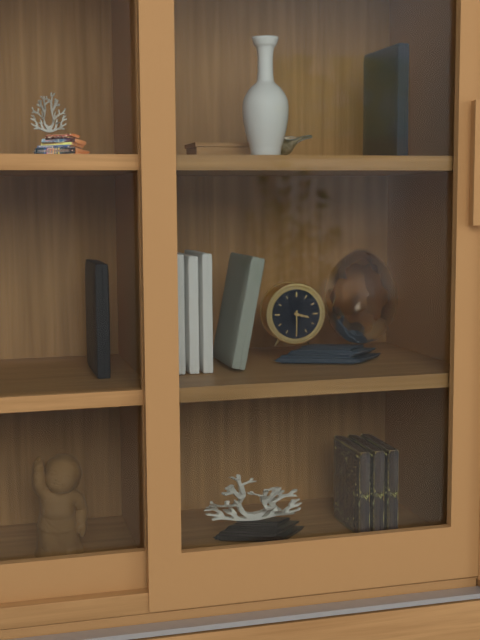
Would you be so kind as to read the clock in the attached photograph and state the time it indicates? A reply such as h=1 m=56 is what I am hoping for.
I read h=3 m=30
